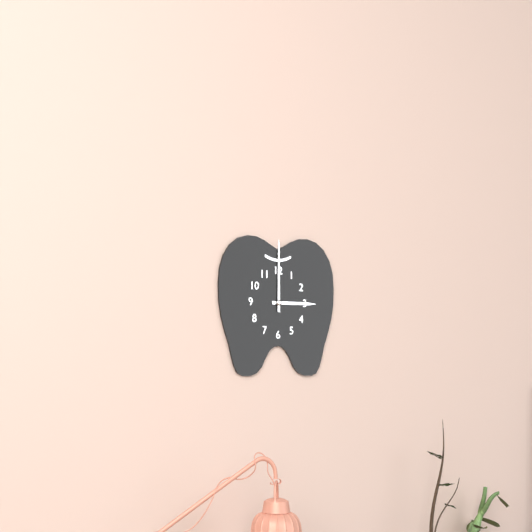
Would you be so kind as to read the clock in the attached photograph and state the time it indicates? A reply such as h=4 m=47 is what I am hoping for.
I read h=3 m=0
